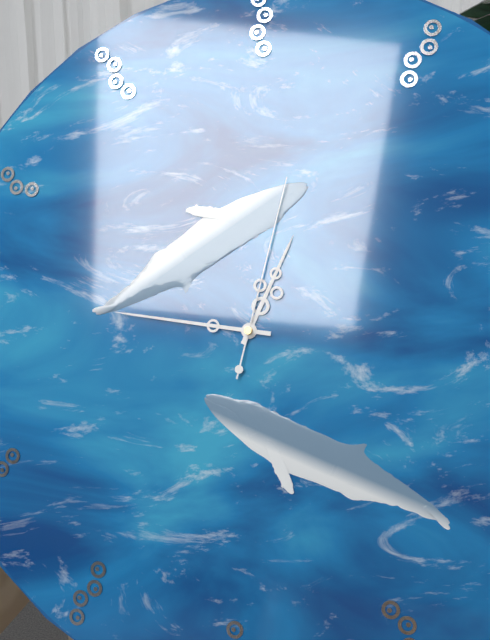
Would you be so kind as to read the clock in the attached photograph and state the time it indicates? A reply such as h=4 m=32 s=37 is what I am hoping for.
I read h=12 m=46 s=2
